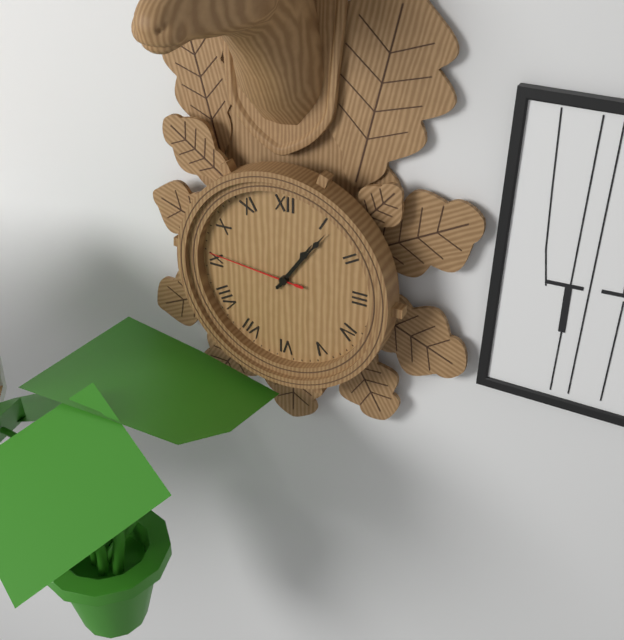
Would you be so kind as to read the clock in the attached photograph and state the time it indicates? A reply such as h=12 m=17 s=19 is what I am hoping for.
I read h=1 m=6 s=46
